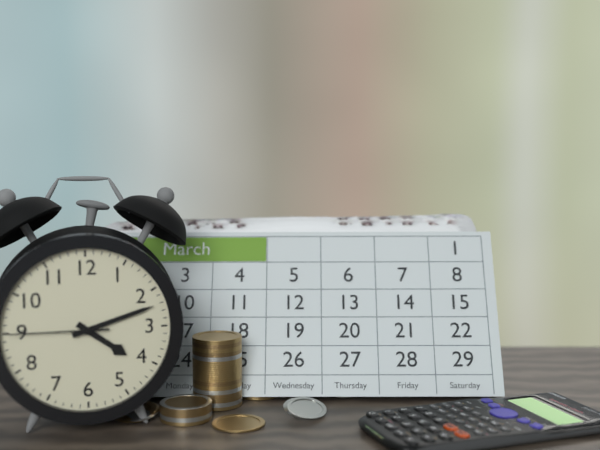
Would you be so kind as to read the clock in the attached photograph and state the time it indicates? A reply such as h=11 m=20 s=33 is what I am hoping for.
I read h=4 m=12 s=45
